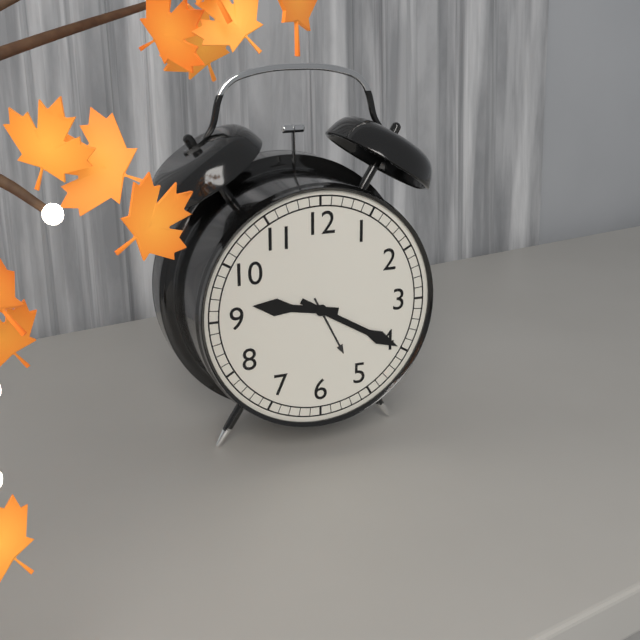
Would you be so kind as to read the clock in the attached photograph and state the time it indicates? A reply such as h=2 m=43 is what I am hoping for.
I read h=9 m=20
